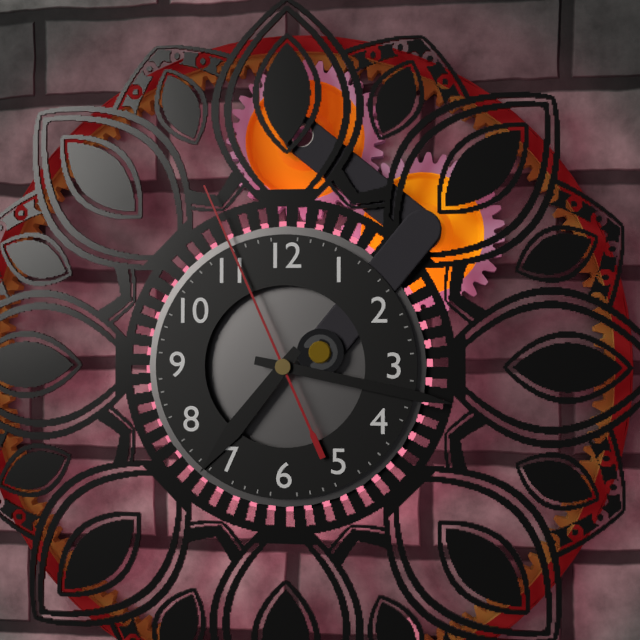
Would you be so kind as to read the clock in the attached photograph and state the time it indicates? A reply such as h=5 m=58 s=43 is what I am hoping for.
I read h=7 m=17 s=56
